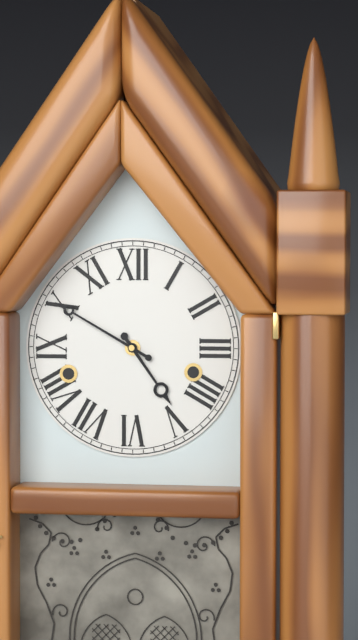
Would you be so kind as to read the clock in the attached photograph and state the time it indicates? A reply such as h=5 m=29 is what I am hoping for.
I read h=4 m=50
